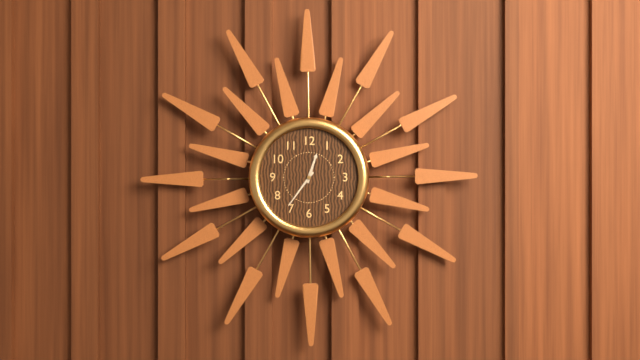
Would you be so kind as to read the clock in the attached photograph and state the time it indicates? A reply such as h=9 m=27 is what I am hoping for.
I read h=12 m=36
